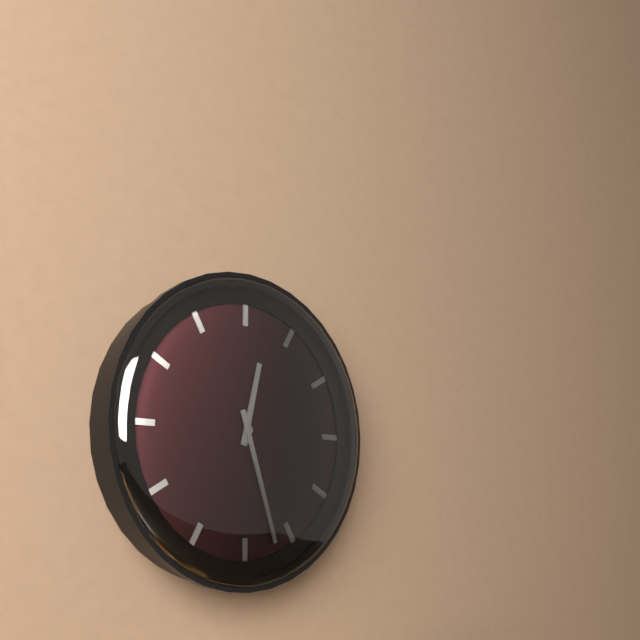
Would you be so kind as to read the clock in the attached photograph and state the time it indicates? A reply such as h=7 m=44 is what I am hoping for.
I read h=12 m=27
